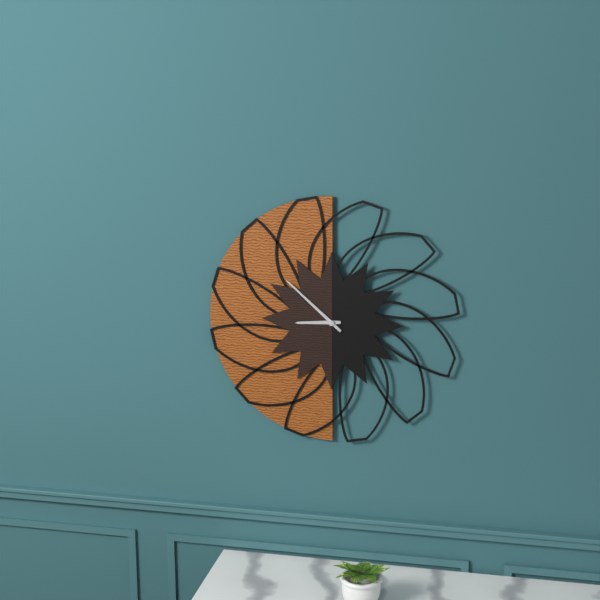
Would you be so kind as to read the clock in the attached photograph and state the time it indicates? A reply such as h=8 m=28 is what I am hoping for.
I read h=8 m=52
